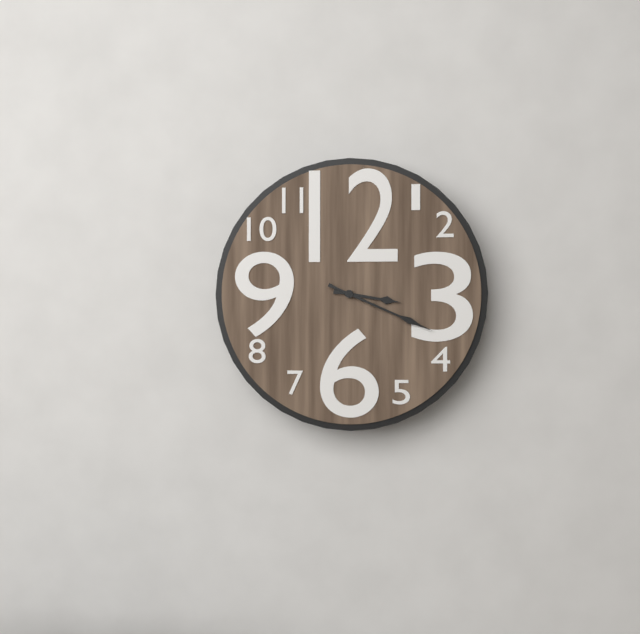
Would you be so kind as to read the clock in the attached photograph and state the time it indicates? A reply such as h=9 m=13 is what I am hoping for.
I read h=3 m=19
